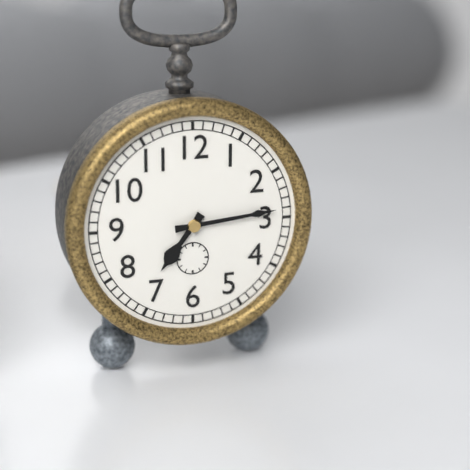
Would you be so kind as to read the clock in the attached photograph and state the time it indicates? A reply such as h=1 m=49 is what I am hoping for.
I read h=7 m=14
